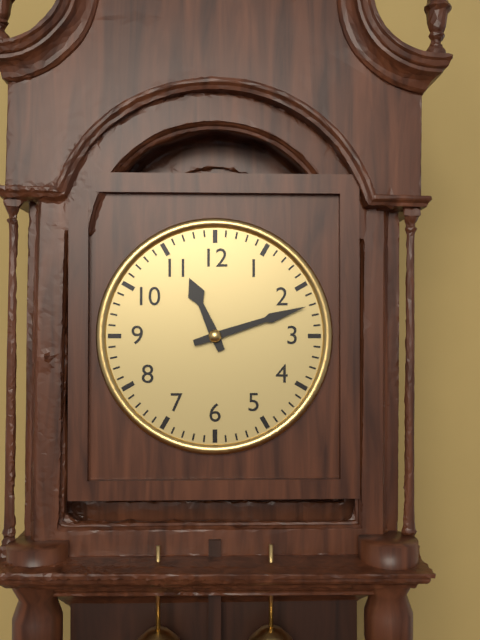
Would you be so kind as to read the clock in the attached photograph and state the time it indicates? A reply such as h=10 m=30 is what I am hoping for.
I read h=11 m=12
